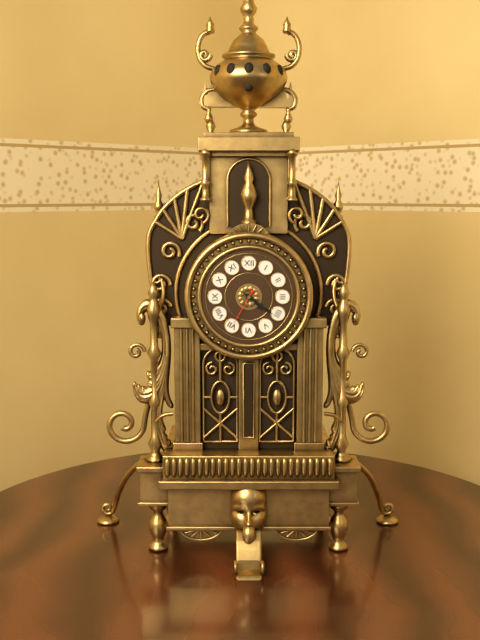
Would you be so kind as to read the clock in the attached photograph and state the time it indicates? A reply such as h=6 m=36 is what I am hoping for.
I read h=4 m=21
